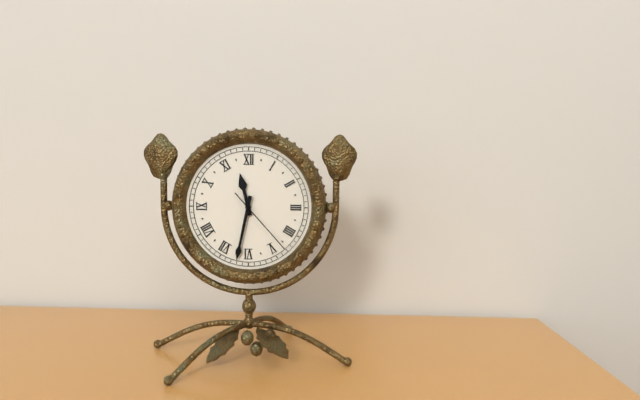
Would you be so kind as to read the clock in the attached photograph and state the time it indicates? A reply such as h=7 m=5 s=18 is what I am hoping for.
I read h=11 m=32 s=23
